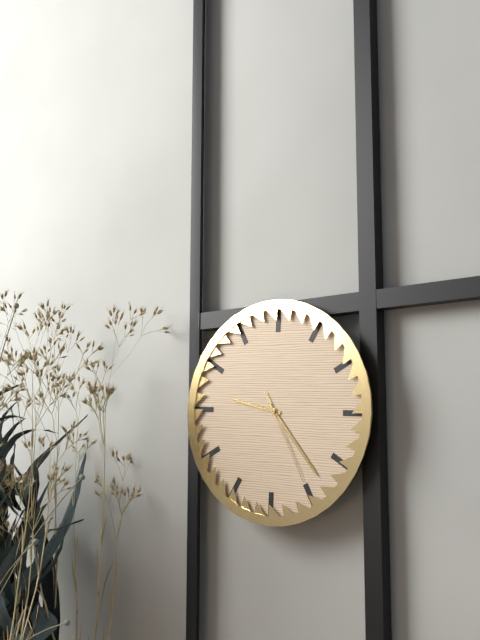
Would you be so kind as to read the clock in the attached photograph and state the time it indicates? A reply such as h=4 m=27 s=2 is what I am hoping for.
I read h=9 m=23 s=25
